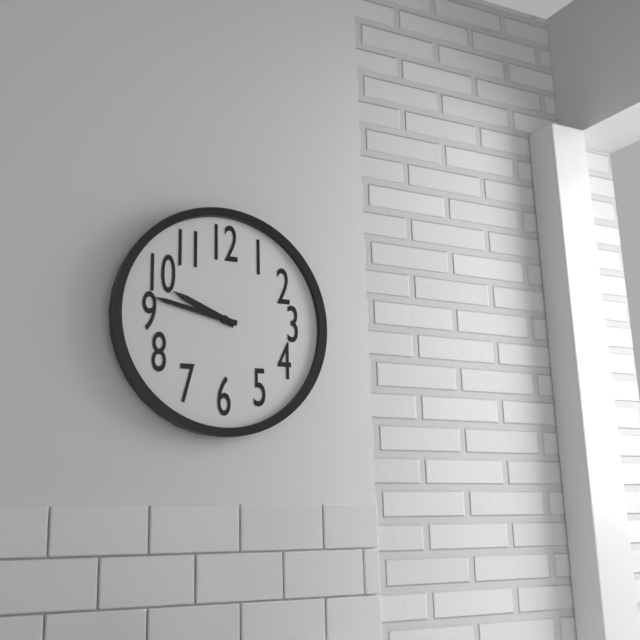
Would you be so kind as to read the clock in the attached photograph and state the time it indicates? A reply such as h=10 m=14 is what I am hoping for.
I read h=9 m=47
